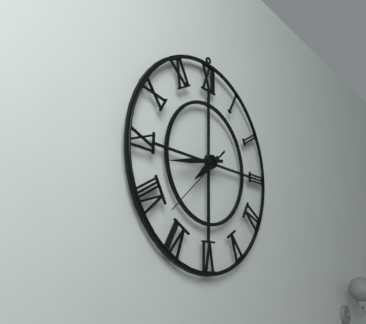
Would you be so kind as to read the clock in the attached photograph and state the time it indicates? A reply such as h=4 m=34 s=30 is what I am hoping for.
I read h=7 m=43 s=38
